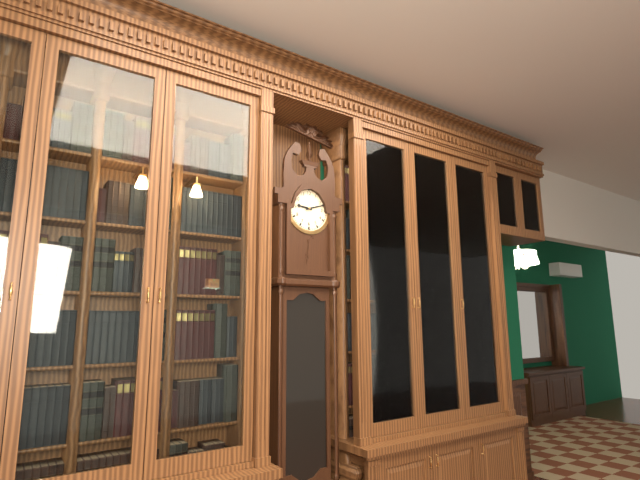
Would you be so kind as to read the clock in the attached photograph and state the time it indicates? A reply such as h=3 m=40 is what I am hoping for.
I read h=9 m=12
